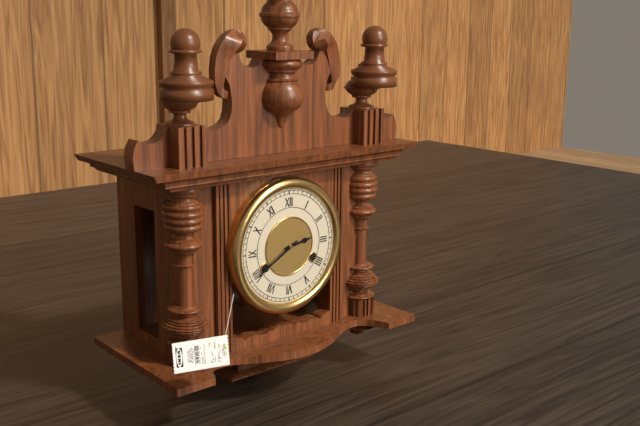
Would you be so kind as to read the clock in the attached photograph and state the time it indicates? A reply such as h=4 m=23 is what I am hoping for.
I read h=2 m=40
